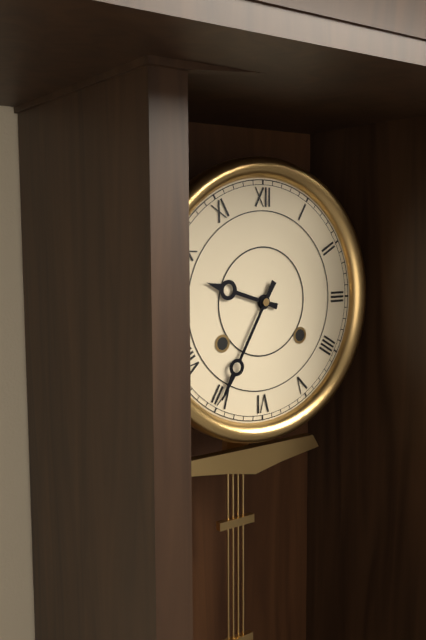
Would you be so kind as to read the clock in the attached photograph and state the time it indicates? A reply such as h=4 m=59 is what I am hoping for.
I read h=9 m=35
